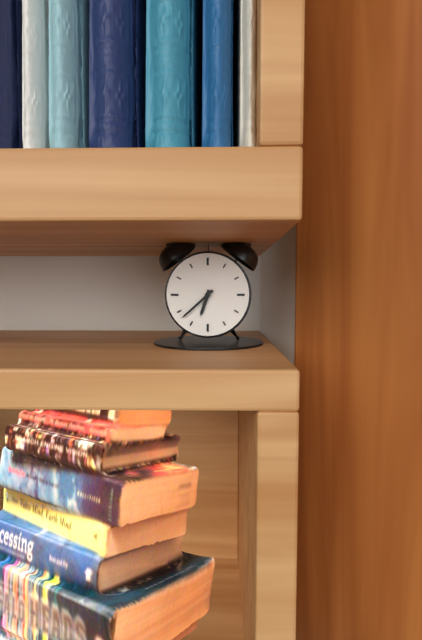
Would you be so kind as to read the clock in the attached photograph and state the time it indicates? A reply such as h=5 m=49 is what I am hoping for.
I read h=6 m=38
